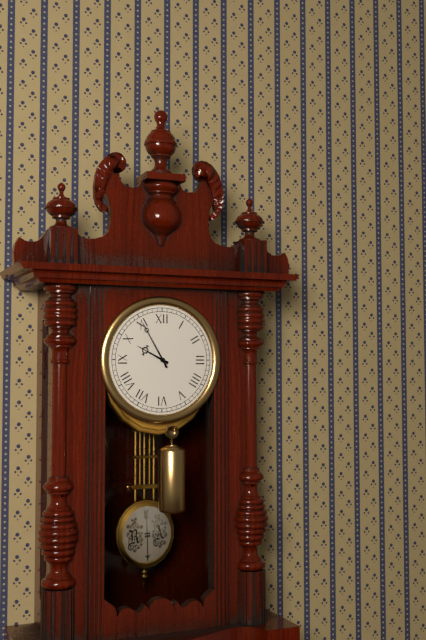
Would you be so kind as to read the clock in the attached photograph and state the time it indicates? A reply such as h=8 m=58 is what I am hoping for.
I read h=9 m=55
